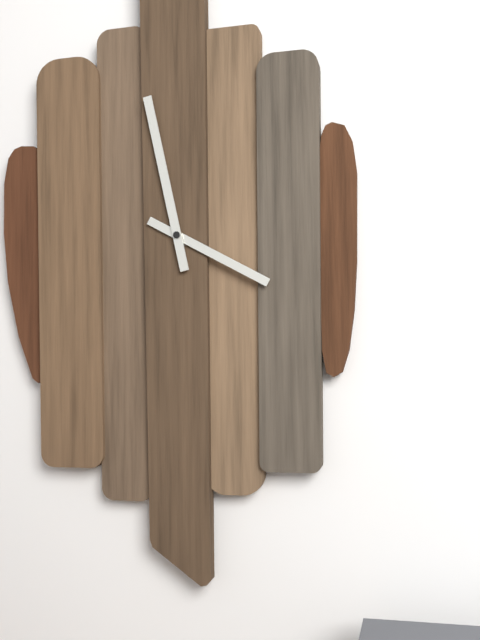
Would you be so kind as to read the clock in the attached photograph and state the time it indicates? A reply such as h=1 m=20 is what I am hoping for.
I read h=3 m=58
